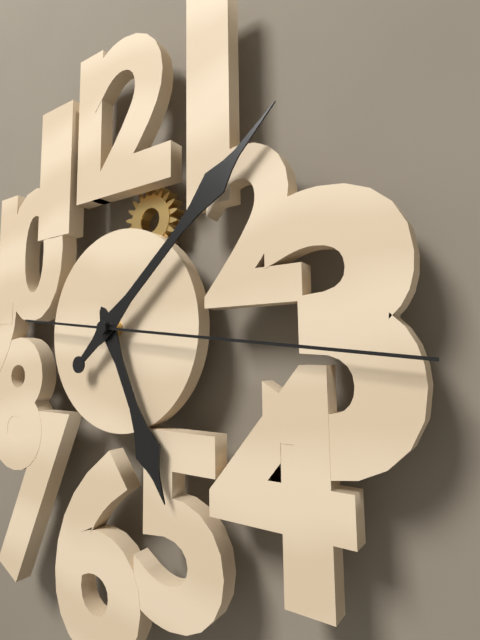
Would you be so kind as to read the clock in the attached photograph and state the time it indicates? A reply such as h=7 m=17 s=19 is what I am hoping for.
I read h=5 m=8 s=16
